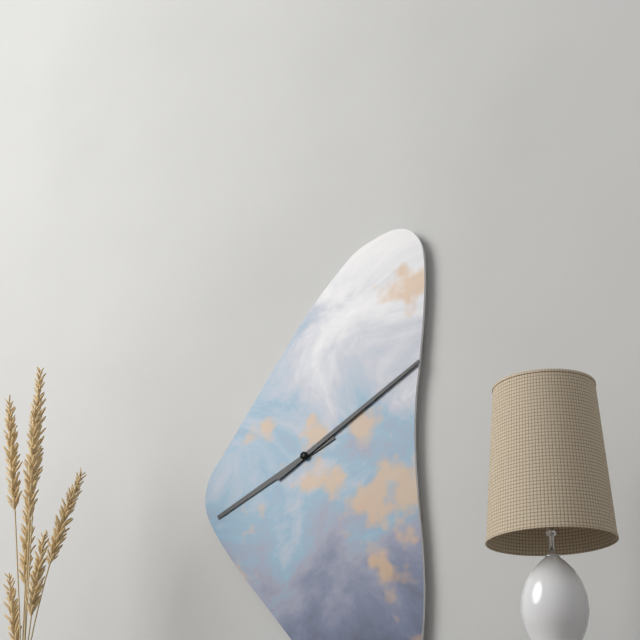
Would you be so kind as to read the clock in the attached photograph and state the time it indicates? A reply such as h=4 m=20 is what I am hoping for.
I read h=8 m=10
